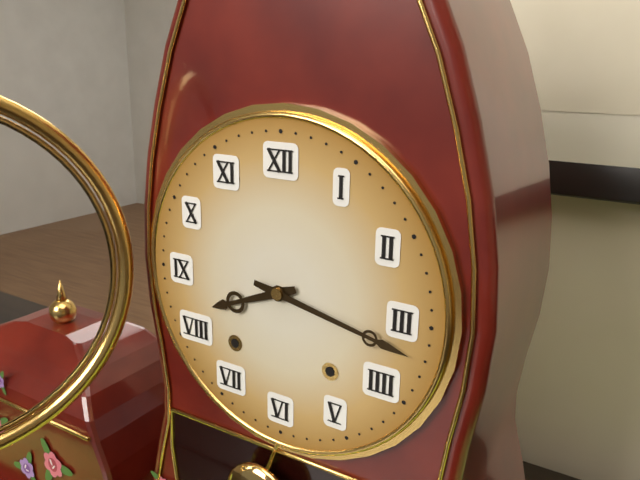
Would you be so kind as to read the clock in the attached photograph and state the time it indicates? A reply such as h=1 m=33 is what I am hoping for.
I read h=8 m=17
